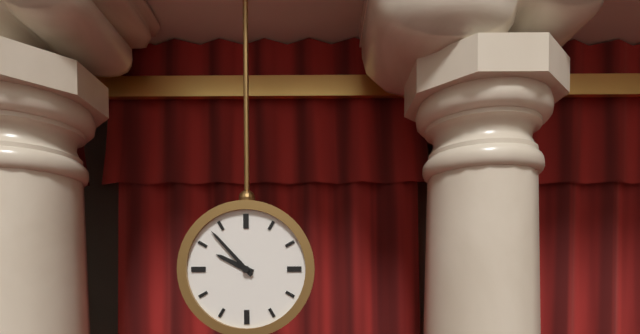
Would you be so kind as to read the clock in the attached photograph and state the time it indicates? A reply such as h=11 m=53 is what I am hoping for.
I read h=9 m=53
